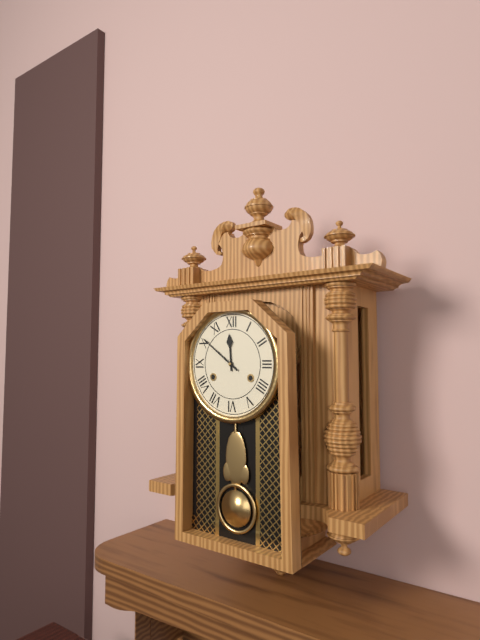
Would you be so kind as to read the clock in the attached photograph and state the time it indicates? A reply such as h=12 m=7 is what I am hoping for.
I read h=11 m=51
